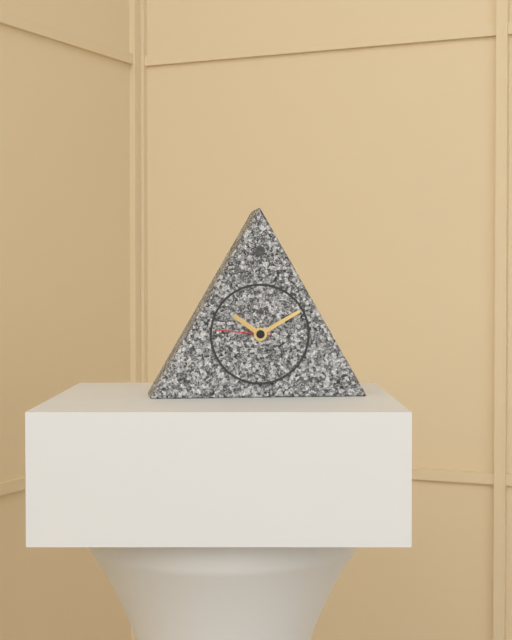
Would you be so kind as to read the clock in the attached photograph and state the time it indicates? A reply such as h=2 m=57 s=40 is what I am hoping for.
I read h=10 m=10 s=46
